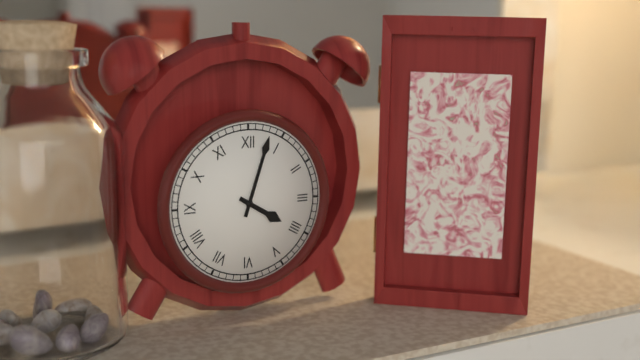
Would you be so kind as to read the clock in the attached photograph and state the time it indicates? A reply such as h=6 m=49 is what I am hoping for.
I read h=4 m=3
